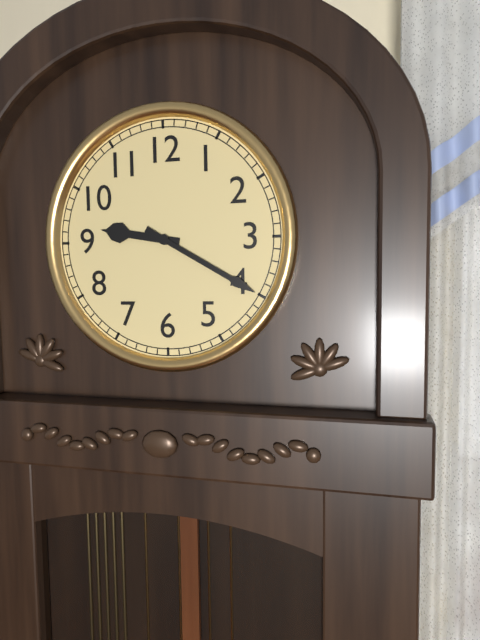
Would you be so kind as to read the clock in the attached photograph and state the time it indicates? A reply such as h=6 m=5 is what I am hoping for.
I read h=9 m=20
